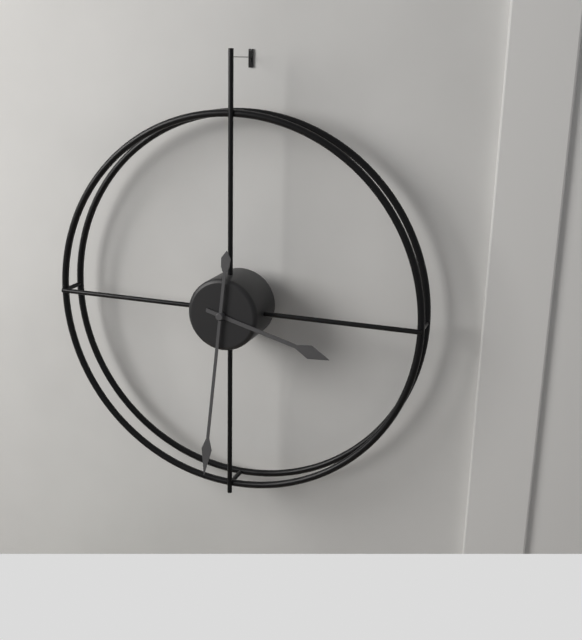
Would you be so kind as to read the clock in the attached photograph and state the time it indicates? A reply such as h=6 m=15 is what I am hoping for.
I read h=3 m=31
